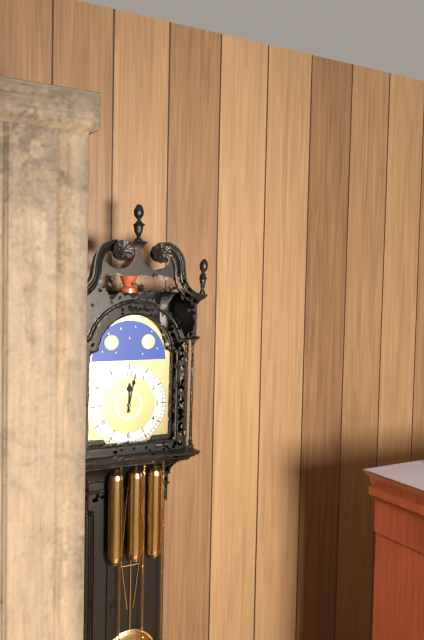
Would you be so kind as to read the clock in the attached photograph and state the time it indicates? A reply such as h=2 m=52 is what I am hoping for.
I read h=12 m=2
